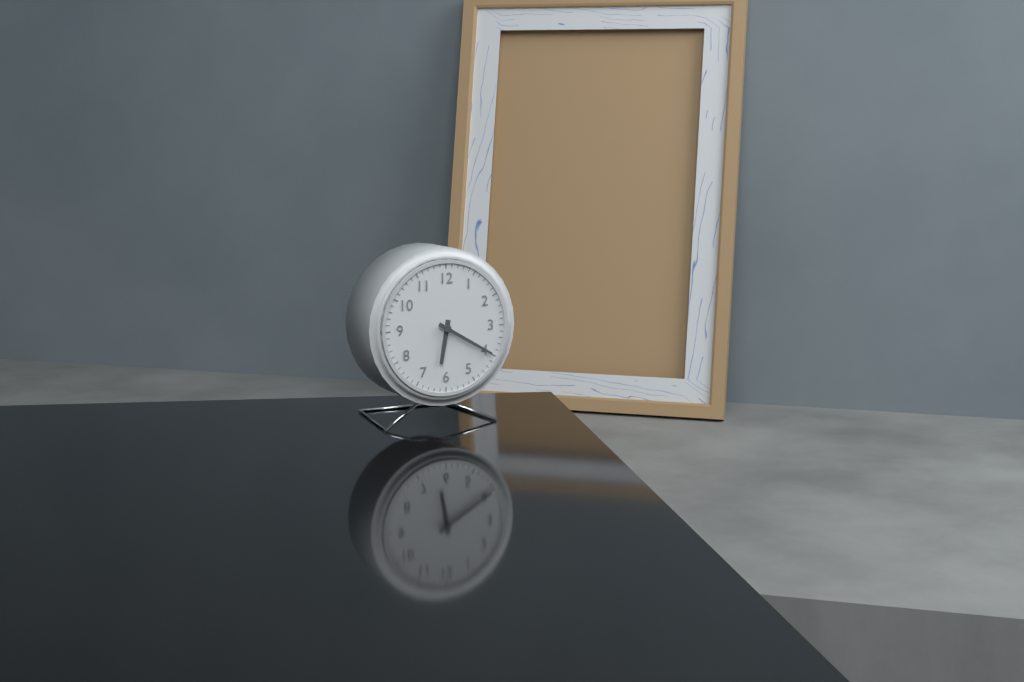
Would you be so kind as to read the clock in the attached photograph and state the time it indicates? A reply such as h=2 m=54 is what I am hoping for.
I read h=6 m=20
